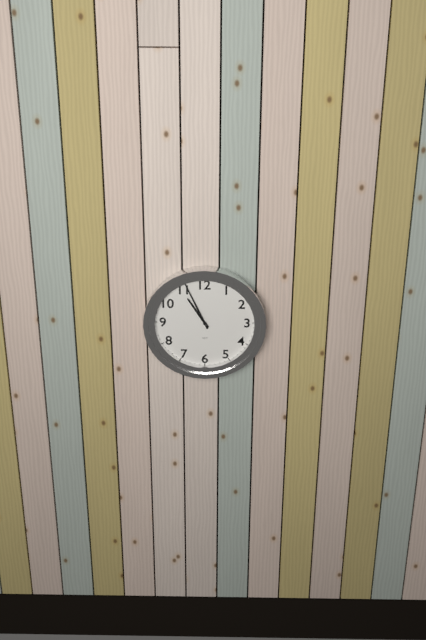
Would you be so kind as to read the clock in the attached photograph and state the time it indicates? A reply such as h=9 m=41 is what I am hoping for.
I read h=10 m=56
